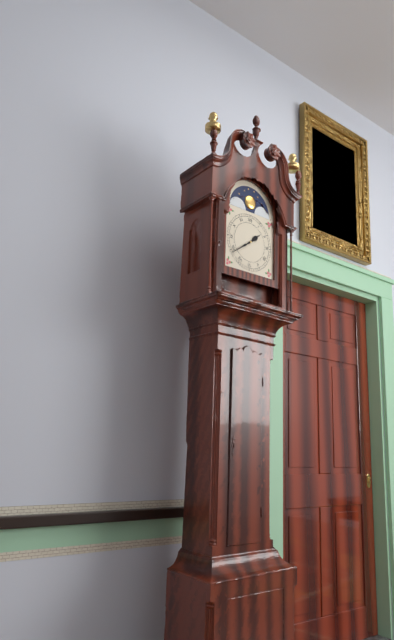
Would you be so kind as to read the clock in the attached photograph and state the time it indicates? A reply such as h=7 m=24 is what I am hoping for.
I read h=1 m=39
